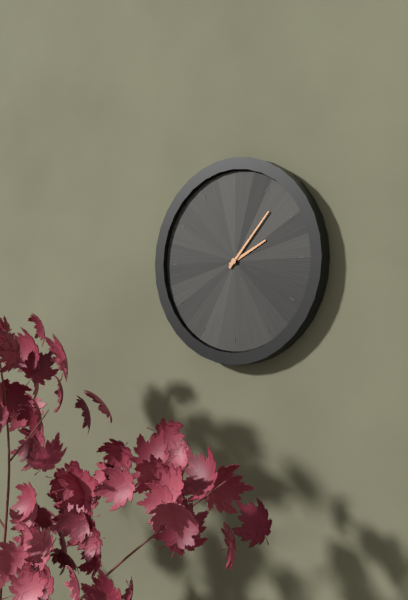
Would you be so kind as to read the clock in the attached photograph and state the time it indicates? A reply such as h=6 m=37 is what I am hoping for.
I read h=2 m=7
